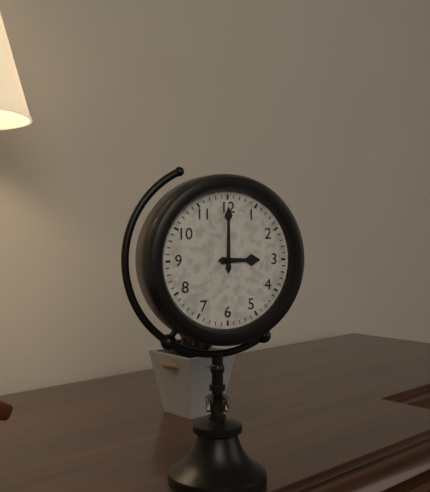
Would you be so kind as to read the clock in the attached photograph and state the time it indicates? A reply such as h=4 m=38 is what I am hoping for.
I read h=3 m=0
